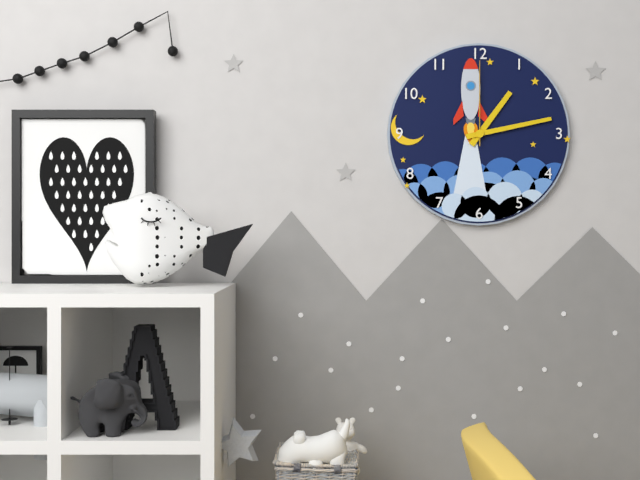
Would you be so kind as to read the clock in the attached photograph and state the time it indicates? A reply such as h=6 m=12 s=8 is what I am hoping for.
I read h=1 m=13 s=0
